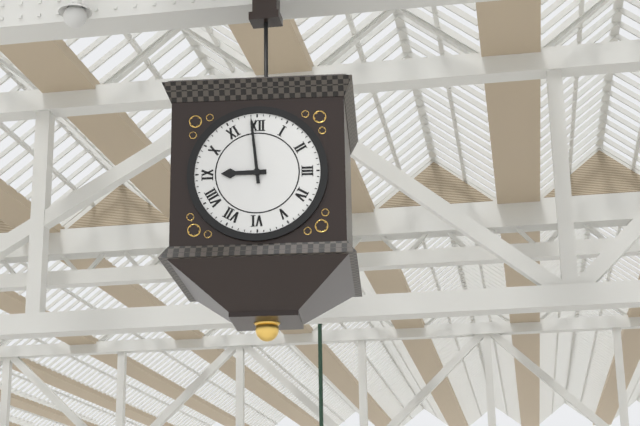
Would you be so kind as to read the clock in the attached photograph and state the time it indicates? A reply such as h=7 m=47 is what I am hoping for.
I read h=8 m=59
